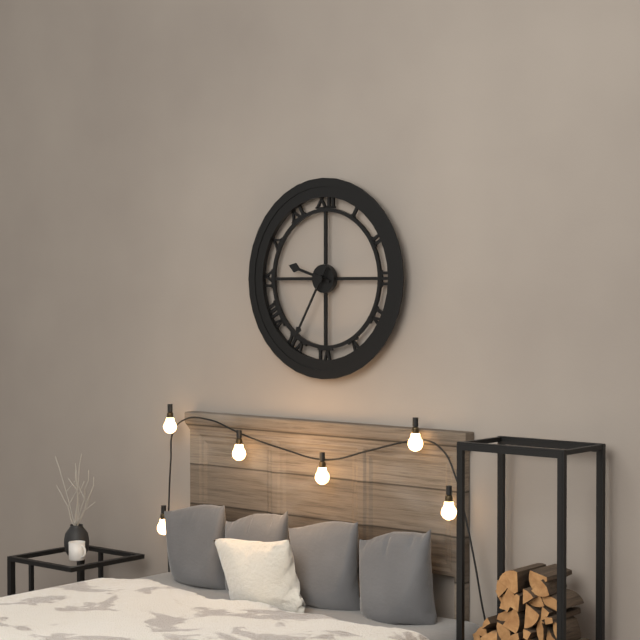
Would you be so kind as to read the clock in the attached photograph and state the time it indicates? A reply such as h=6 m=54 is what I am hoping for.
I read h=9 m=35
